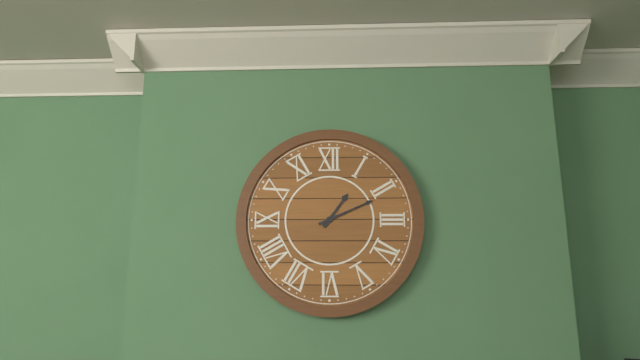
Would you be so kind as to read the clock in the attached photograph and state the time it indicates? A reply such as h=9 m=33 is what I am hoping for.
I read h=1 m=11
